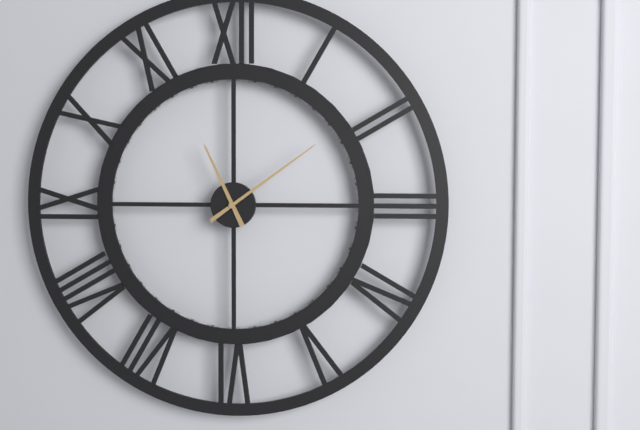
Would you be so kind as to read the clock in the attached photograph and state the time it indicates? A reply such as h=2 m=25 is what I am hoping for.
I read h=11 m=9
